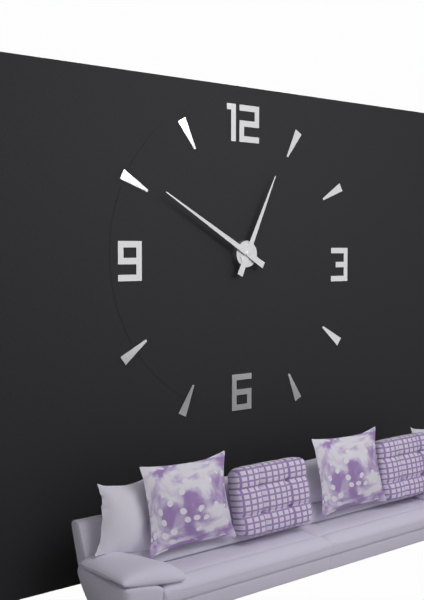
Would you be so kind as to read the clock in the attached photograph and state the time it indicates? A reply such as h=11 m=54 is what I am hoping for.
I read h=12 m=50
